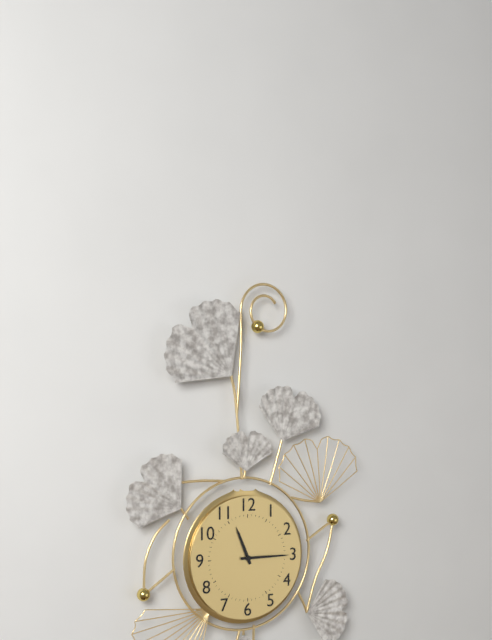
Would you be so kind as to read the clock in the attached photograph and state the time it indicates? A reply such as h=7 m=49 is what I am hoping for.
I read h=11 m=15
